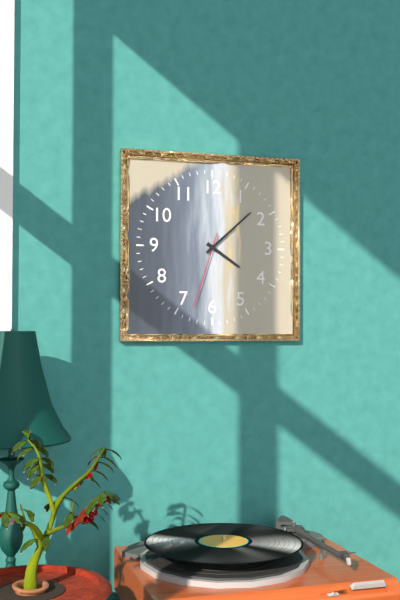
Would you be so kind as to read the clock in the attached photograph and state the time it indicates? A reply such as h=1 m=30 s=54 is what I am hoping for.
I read h=4 m=8 s=33
